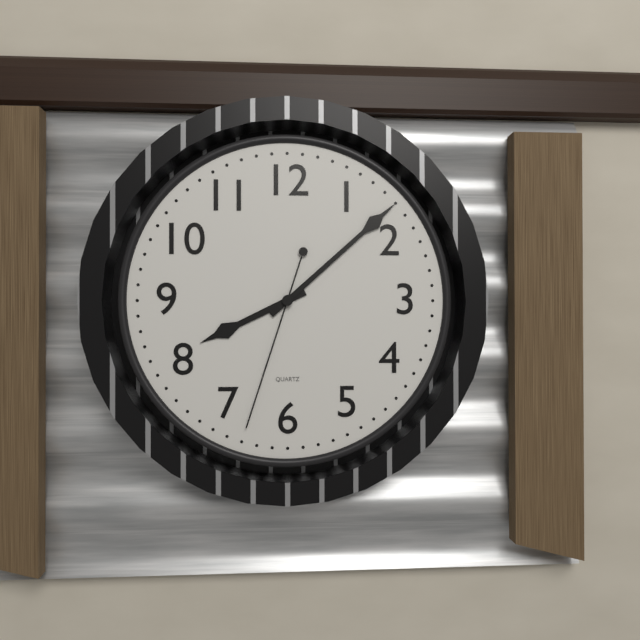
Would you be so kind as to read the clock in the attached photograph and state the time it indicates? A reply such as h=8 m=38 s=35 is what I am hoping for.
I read h=8 m=8 s=33
